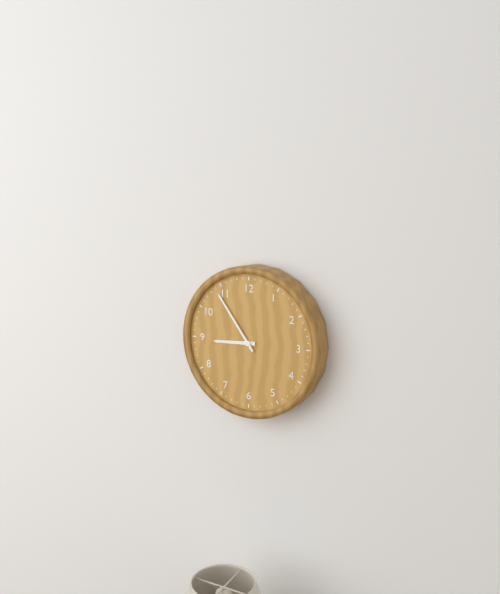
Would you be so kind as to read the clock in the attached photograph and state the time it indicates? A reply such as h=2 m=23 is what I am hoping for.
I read h=8 m=54
